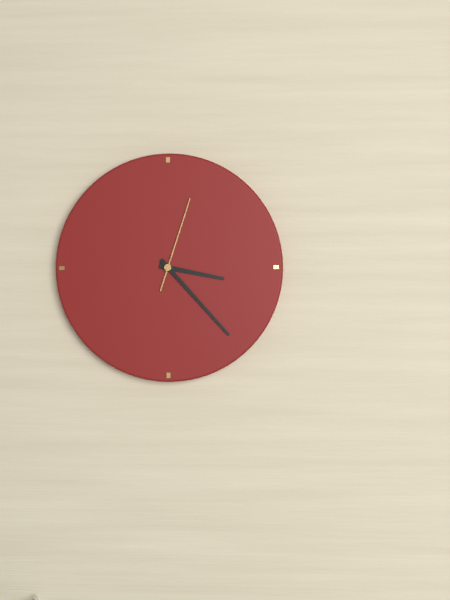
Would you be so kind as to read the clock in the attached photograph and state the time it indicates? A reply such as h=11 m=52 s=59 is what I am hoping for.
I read h=3 m=23 s=3
